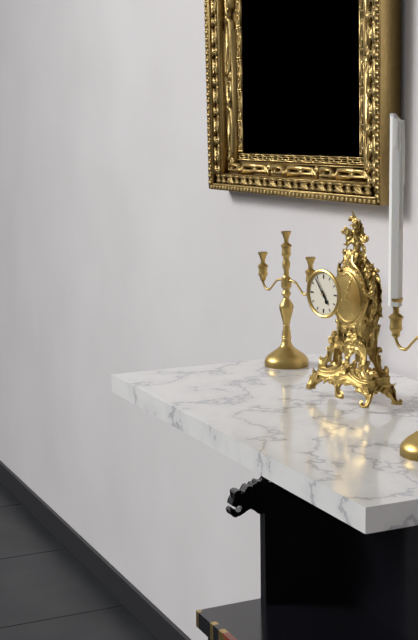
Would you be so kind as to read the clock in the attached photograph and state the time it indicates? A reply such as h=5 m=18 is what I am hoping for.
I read h=4 m=54
